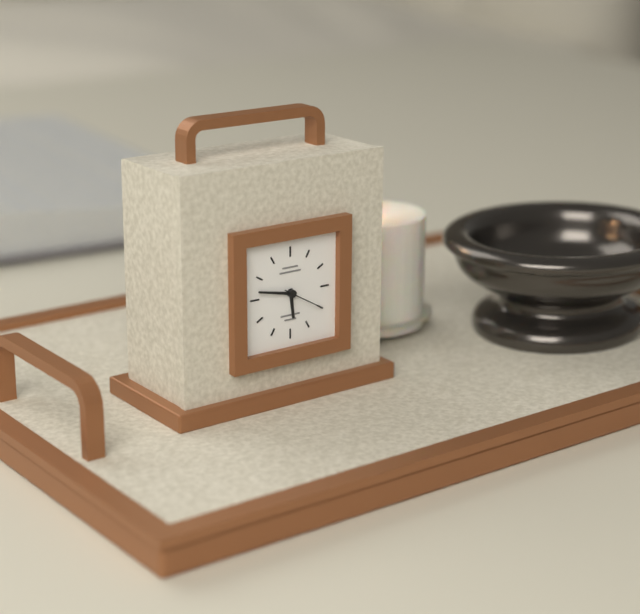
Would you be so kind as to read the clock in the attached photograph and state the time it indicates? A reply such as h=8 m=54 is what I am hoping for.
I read h=5 m=47
